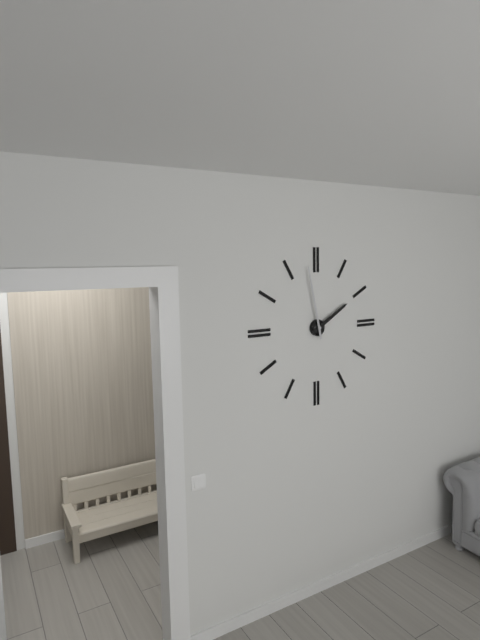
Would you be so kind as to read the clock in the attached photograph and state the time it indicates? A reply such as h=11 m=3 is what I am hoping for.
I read h=1 m=58
